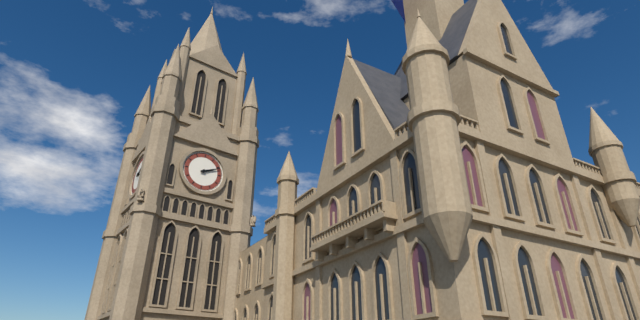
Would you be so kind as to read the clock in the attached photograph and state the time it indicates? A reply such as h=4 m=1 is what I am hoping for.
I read h=2 m=11
